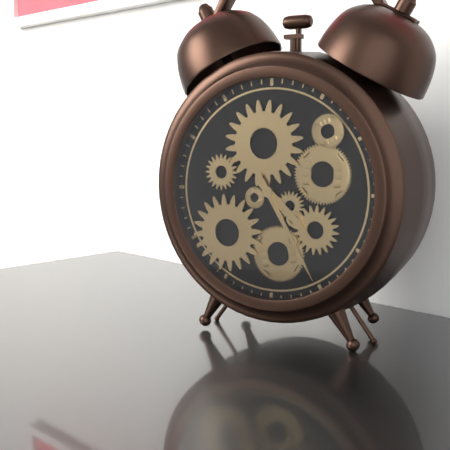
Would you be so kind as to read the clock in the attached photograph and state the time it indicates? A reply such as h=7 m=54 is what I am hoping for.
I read h=4 m=25
